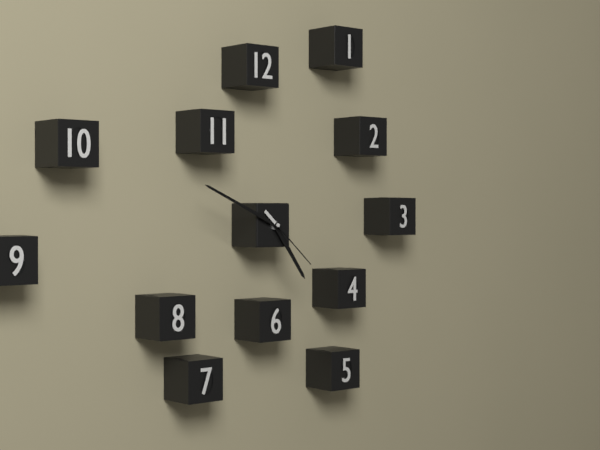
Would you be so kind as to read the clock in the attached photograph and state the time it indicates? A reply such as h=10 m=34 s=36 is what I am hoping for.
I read h=4 m=49 s=22
